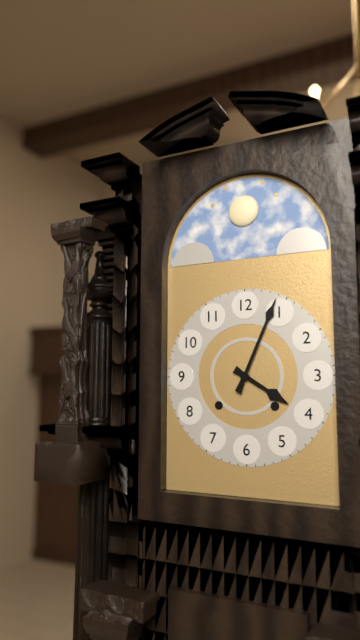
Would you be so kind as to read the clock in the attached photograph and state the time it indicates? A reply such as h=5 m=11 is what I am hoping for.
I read h=4 m=4
